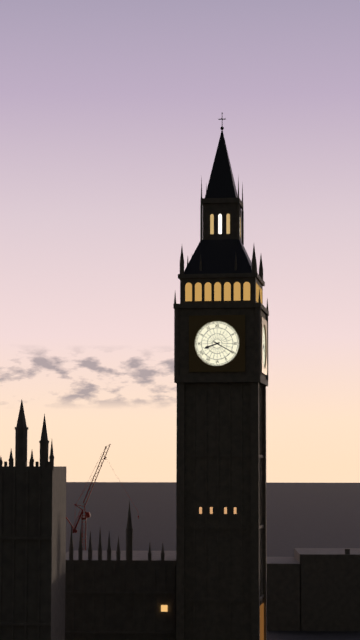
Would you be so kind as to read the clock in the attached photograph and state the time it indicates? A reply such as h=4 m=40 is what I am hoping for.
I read h=8 m=20
